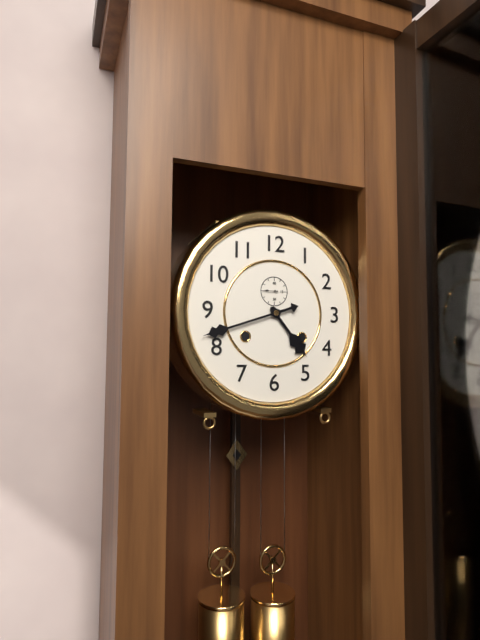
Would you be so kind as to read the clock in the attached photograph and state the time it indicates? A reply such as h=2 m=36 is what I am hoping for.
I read h=4 m=42
